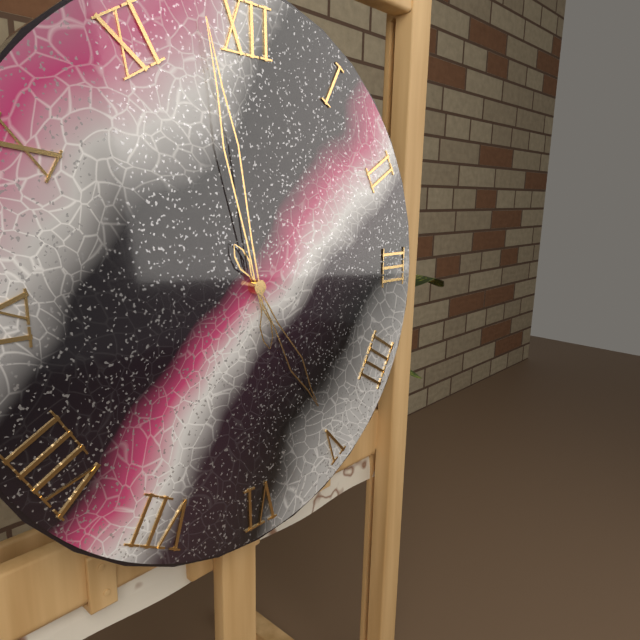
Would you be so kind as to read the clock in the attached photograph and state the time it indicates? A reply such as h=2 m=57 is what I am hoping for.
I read h=4 m=58
